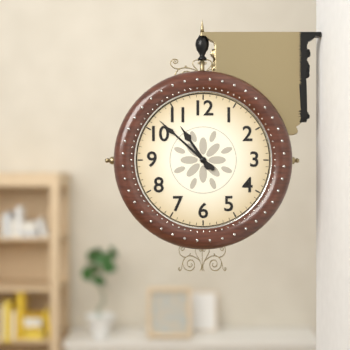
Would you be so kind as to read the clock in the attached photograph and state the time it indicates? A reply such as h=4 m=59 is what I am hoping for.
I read h=10 m=52
